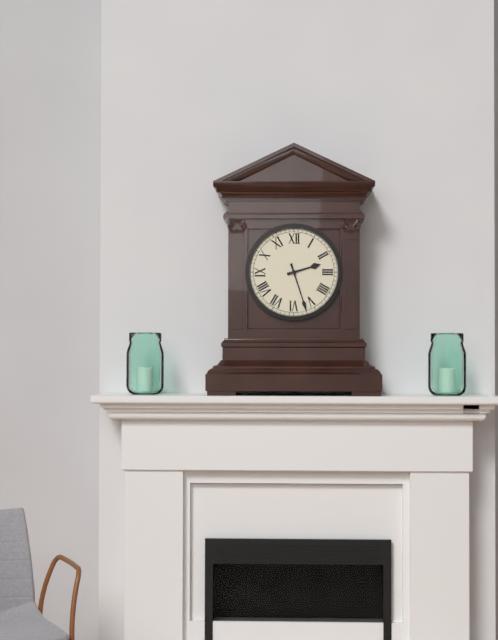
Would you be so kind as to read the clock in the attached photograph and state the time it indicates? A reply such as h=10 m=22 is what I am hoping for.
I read h=2 m=27
